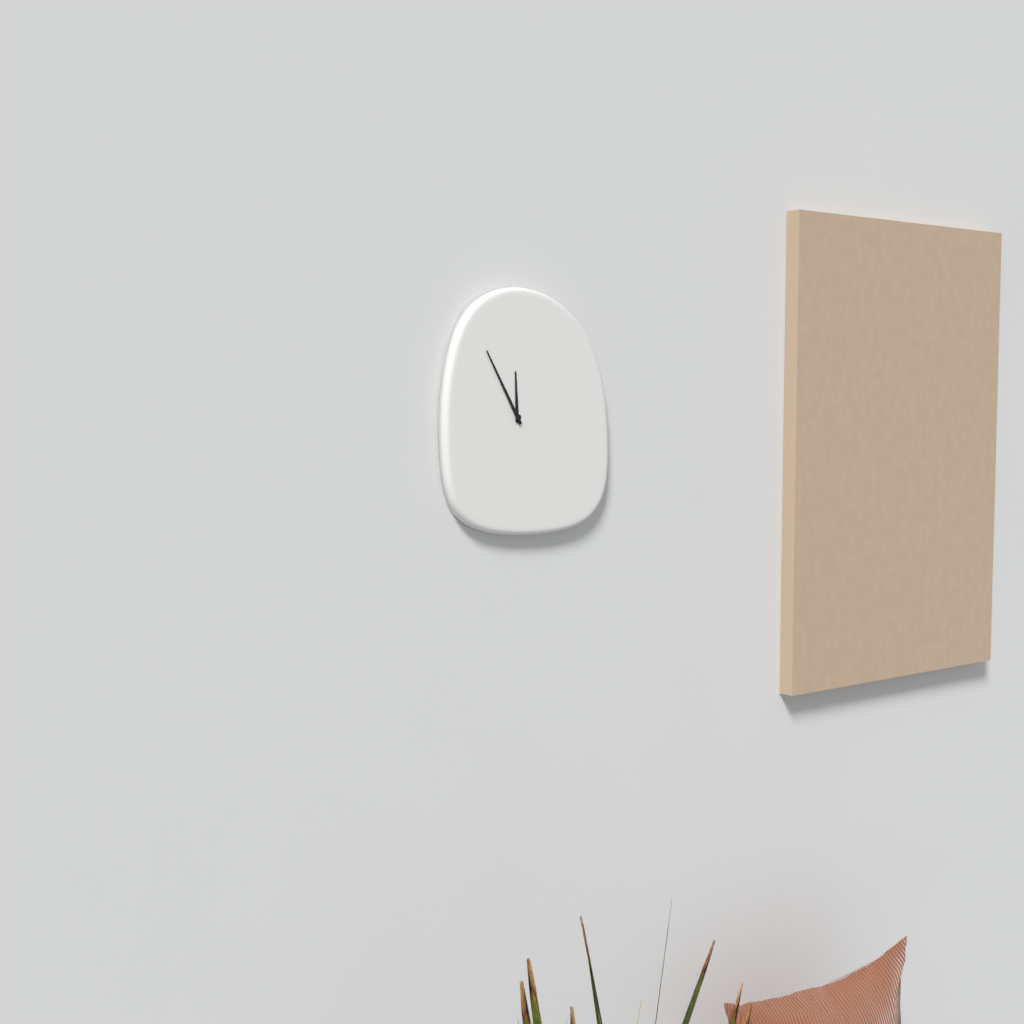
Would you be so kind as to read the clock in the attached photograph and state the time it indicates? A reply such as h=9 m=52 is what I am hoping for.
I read h=11 m=55
